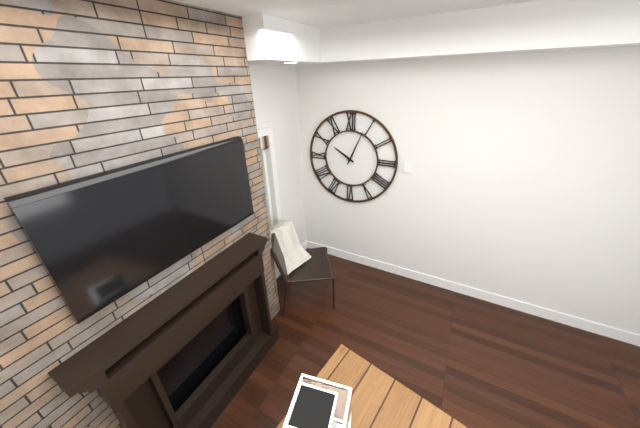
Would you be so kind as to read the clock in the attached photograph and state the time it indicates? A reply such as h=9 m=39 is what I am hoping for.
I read h=10 m=4
